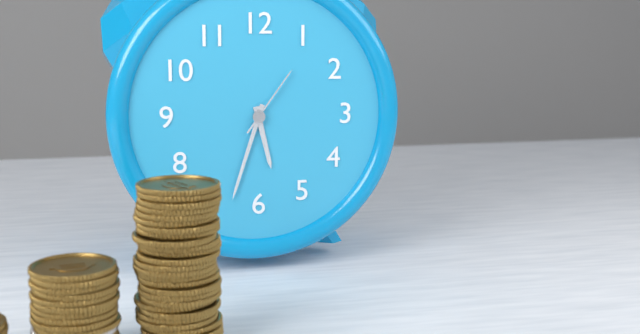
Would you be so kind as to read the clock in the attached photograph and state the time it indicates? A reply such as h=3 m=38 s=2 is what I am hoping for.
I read h=5 m=33 s=6
